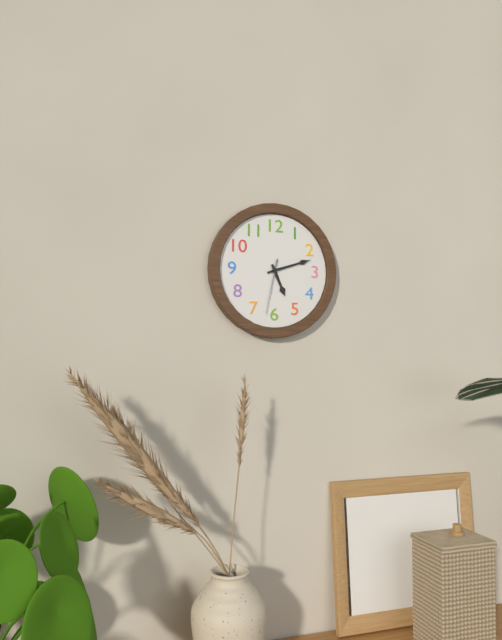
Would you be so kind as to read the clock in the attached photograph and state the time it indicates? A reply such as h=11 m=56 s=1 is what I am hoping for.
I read h=5 m=12 s=32
